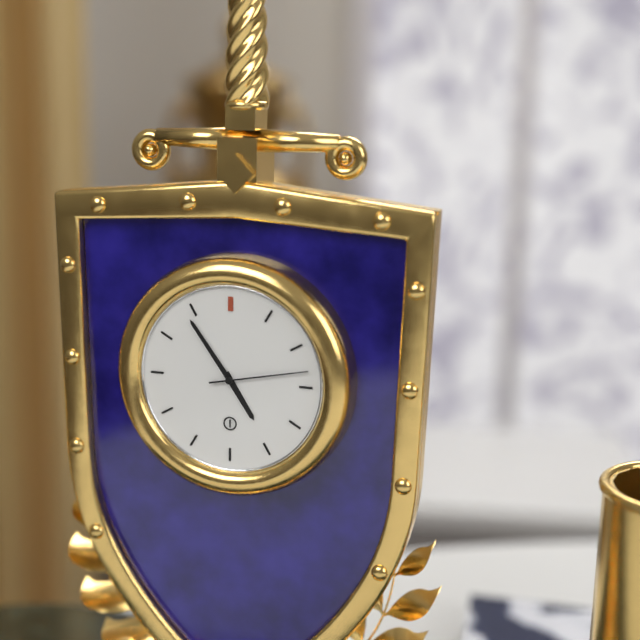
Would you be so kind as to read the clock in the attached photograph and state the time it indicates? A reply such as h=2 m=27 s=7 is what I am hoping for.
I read h=4 m=54 s=13
